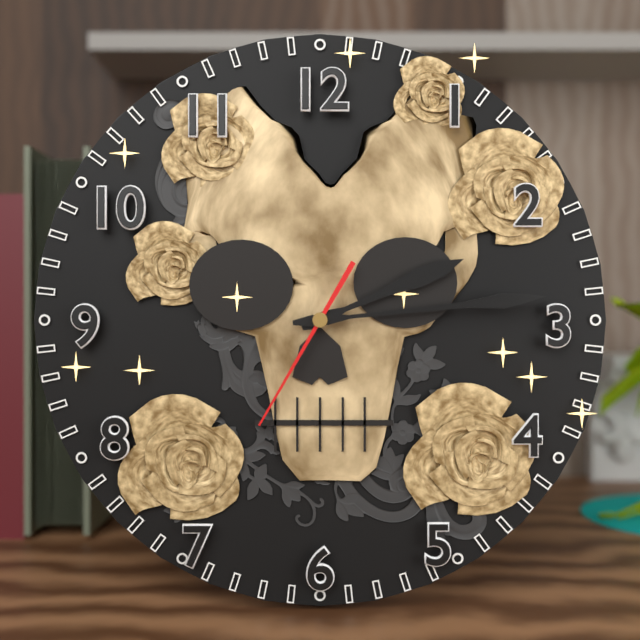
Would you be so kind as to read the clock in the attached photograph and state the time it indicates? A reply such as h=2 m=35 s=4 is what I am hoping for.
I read h=2 m=14 s=35
